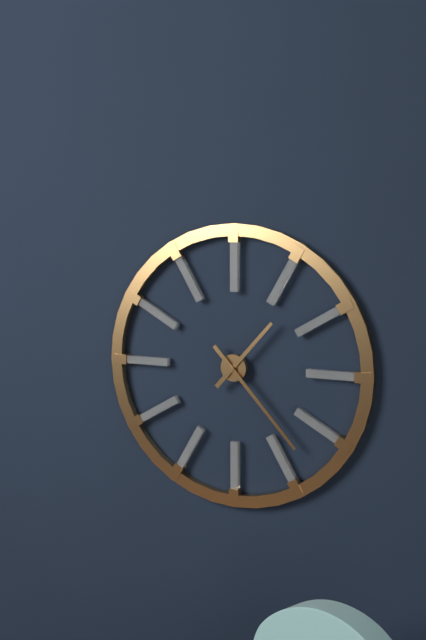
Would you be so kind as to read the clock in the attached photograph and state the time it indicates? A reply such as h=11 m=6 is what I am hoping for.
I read h=1 m=23
